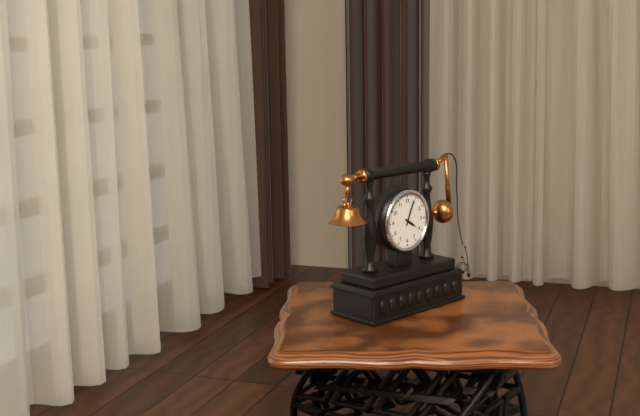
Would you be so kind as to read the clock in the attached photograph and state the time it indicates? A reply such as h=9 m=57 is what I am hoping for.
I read h=4 m=4
